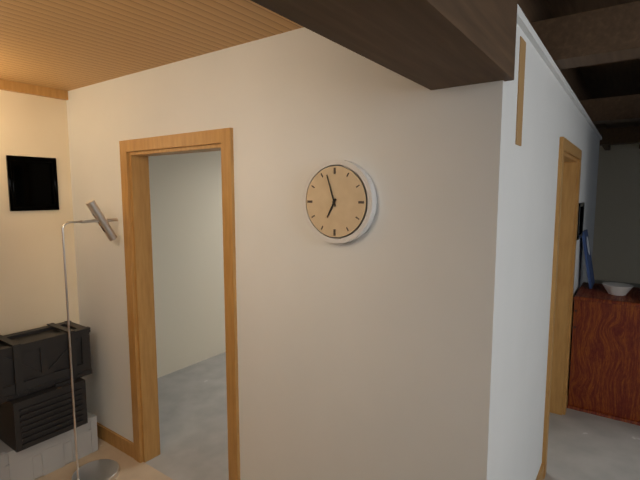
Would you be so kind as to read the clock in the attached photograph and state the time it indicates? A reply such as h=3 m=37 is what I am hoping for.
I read h=6 m=57
